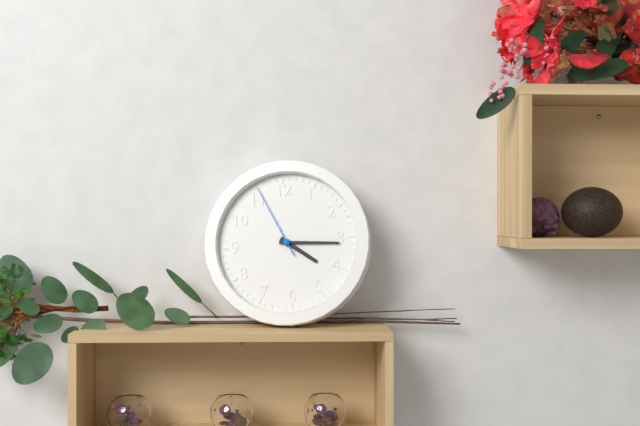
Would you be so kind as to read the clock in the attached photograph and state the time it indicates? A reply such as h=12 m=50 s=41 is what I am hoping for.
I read h=4 m=16 s=56
